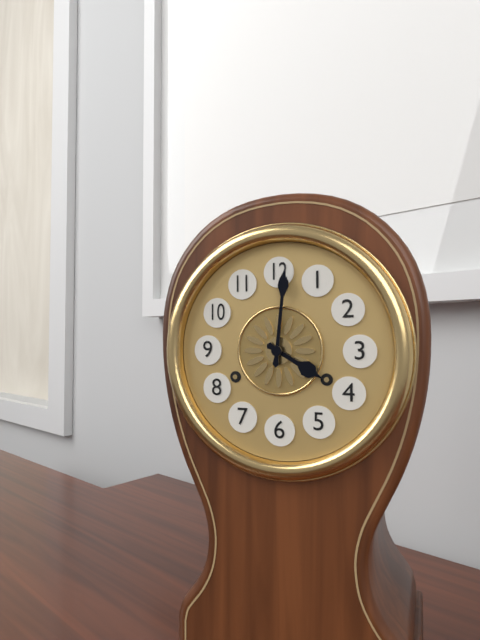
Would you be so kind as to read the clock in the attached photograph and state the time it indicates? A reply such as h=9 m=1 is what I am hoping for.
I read h=4 m=1
